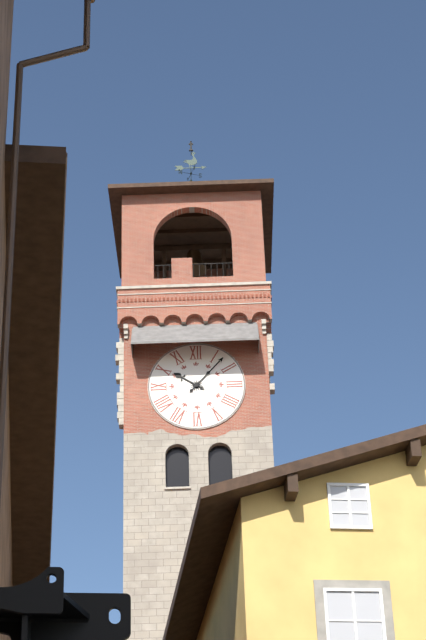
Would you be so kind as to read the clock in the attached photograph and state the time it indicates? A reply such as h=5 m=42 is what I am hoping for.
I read h=10 m=7
